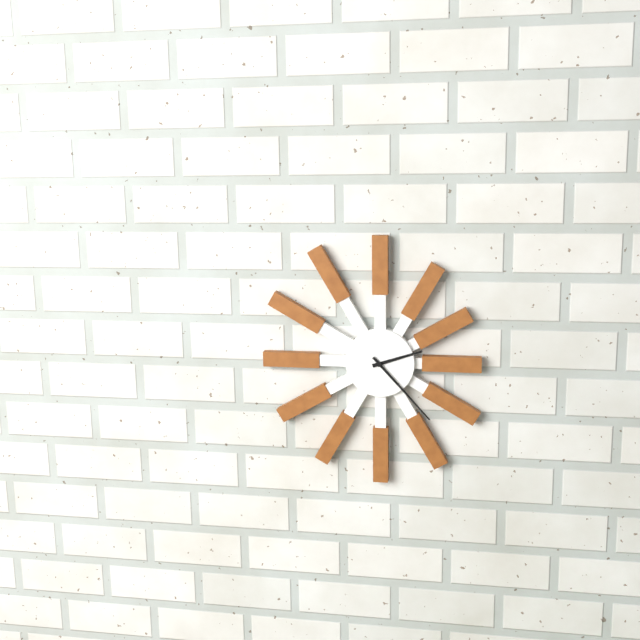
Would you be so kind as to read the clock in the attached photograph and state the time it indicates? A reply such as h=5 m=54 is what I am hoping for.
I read h=2 m=23
